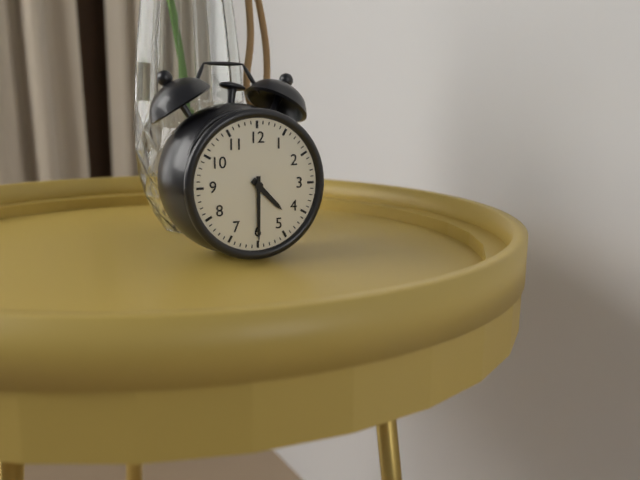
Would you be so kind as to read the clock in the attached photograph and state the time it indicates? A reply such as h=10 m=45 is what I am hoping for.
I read h=4 m=30
